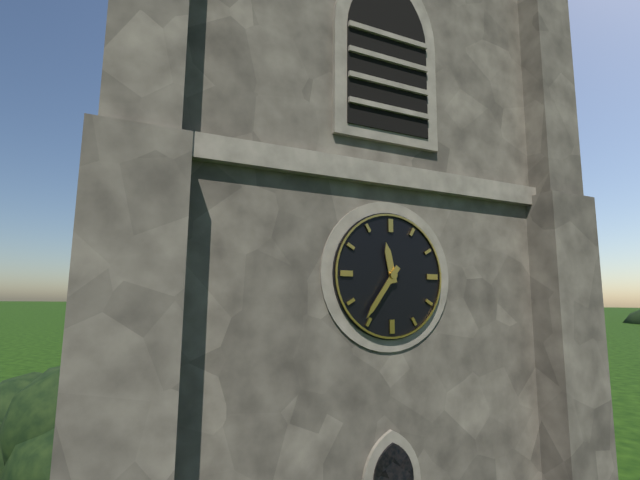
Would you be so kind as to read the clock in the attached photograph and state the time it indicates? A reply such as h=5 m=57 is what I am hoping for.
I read h=11 m=36
